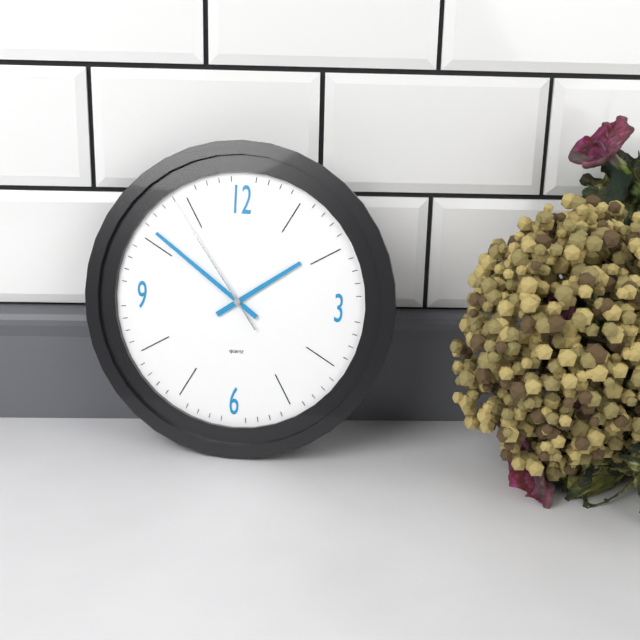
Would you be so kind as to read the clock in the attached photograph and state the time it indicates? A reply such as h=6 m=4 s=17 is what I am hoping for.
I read h=1 m=51 s=54
